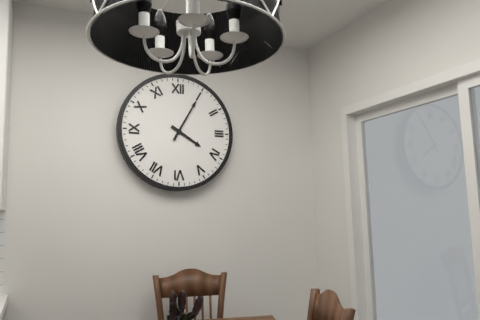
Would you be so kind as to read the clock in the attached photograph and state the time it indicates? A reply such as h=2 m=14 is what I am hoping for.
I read h=4 m=5
